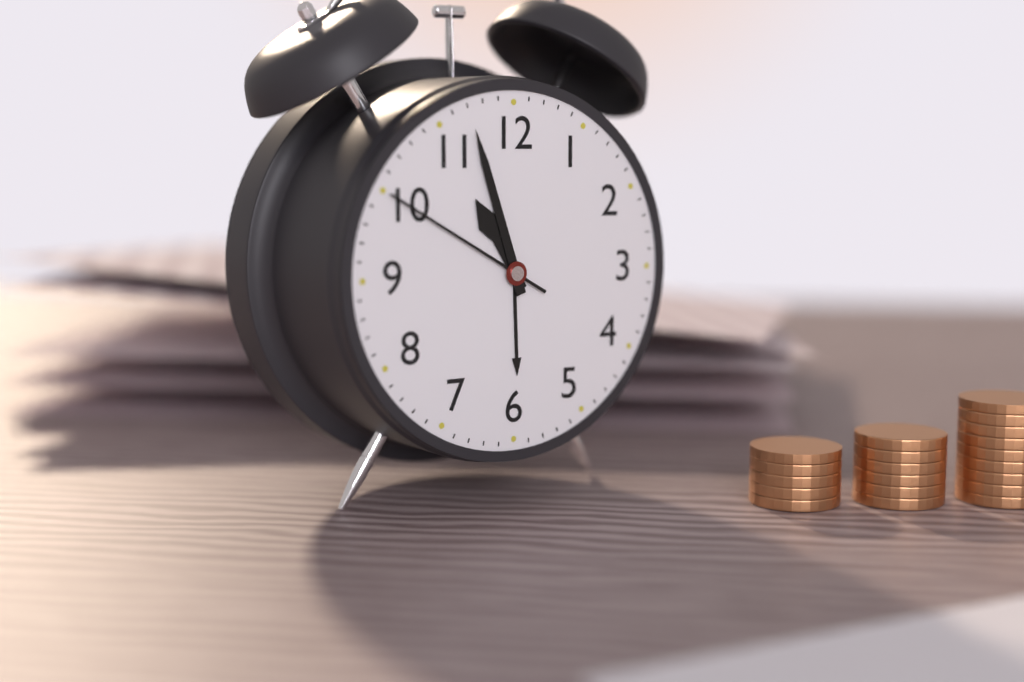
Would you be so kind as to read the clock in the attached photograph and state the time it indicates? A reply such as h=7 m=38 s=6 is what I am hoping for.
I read h=10 m=57 s=50
